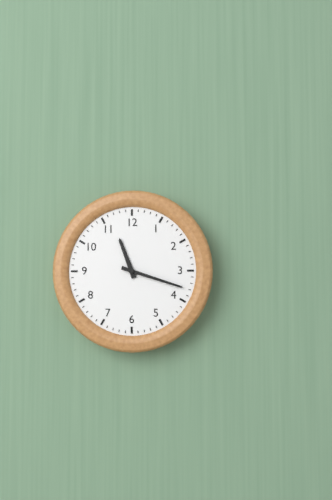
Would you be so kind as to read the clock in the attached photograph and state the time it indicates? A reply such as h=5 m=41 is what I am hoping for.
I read h=11 m=18
